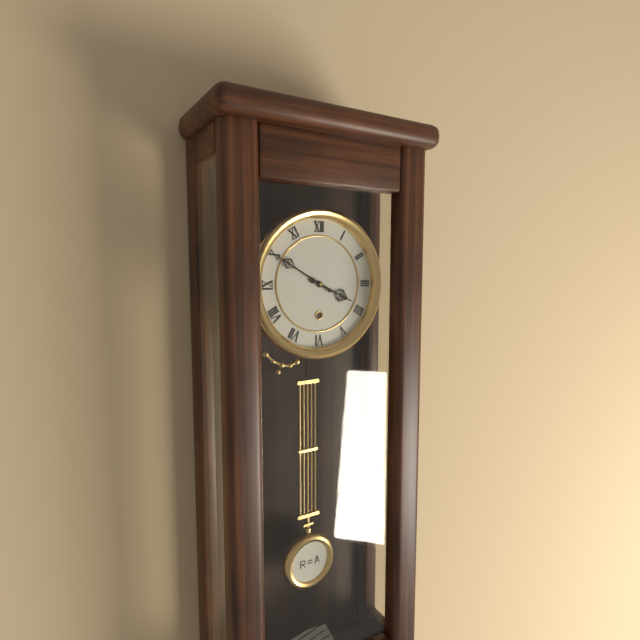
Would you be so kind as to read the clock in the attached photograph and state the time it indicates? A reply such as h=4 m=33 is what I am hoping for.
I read h=3 m=50
